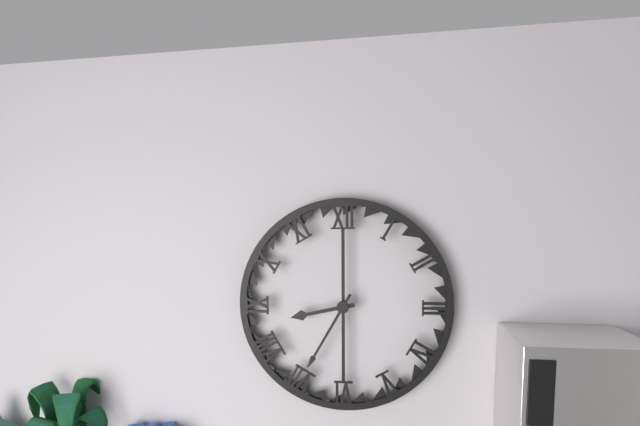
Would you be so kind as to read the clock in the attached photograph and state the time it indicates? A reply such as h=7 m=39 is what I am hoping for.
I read h=8 m=35
